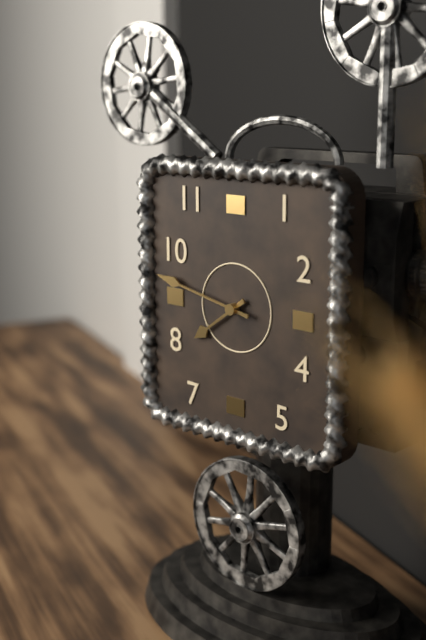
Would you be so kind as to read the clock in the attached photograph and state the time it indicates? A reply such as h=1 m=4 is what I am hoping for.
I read h=7 m=47
